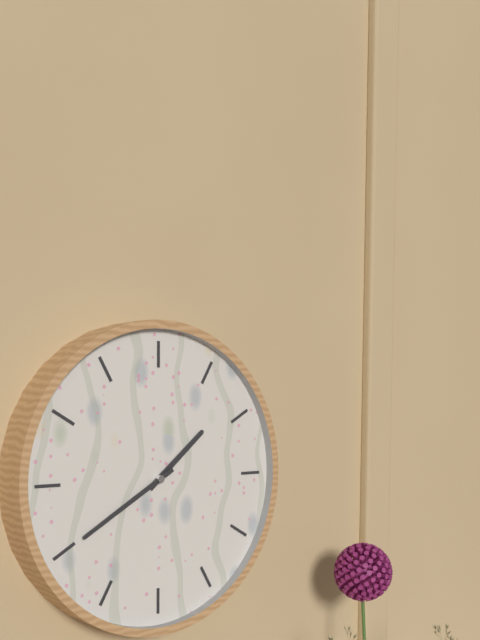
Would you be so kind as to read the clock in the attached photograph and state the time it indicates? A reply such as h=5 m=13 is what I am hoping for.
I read h=1 m=40
